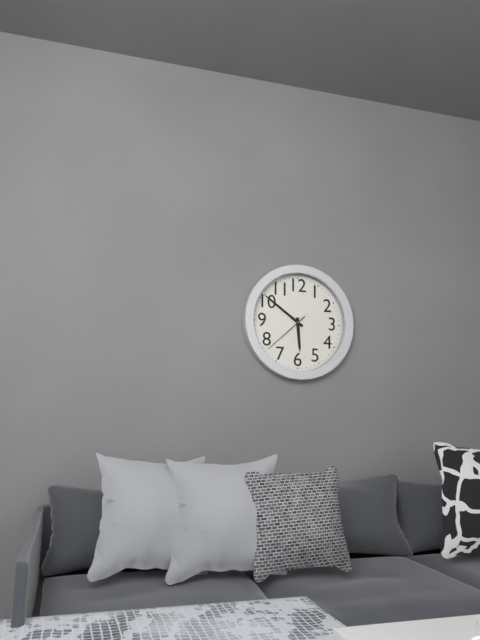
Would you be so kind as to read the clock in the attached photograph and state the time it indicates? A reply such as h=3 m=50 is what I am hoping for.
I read h=5 m=51
